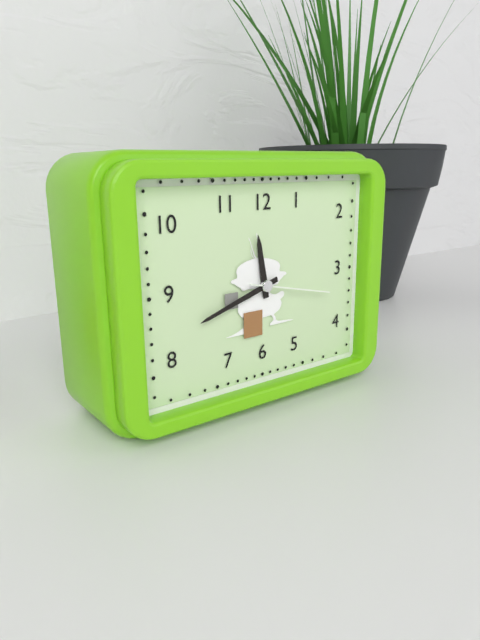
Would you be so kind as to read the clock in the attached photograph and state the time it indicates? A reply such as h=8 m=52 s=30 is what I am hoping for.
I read h=11 m=42 s=17
